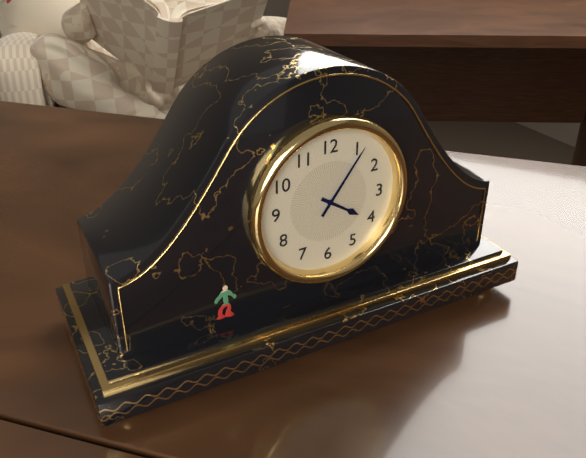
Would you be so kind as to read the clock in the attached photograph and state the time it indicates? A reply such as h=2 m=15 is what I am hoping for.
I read h=4 m=6
